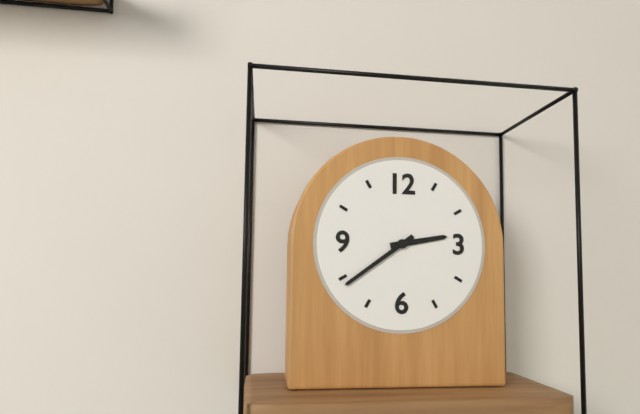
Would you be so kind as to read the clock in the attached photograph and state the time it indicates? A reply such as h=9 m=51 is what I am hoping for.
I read h=2 m=39
